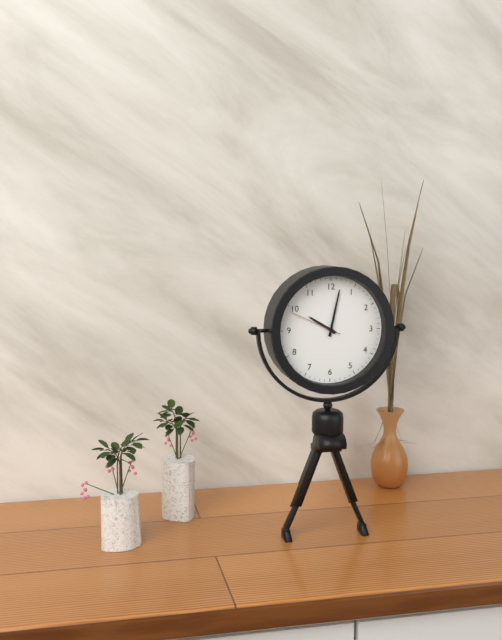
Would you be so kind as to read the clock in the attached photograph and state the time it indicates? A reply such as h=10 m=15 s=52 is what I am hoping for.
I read h=10 m=2 s=49
